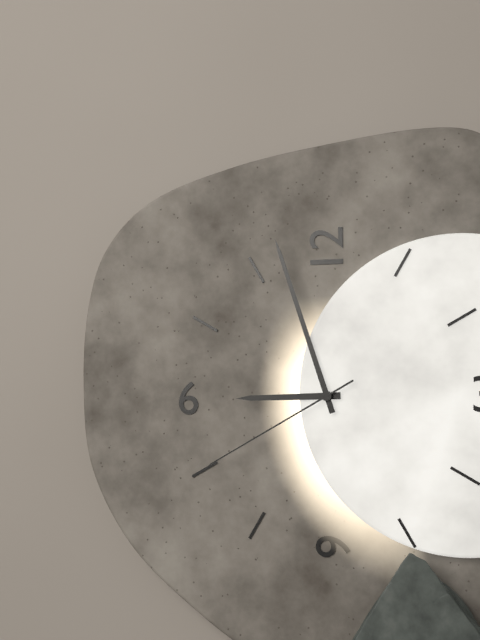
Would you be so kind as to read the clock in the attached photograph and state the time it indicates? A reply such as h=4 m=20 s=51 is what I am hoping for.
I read h=8 m=57 s=40
